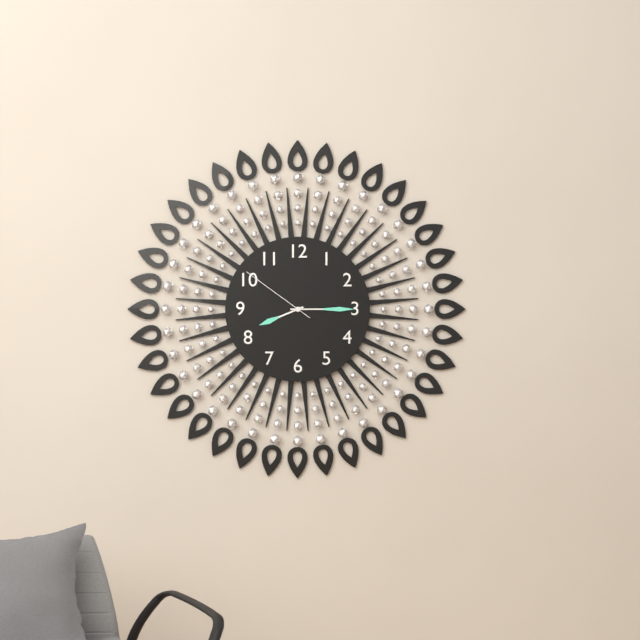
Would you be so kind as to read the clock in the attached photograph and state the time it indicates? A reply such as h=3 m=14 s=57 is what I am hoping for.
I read h=8 m=15 s=51
